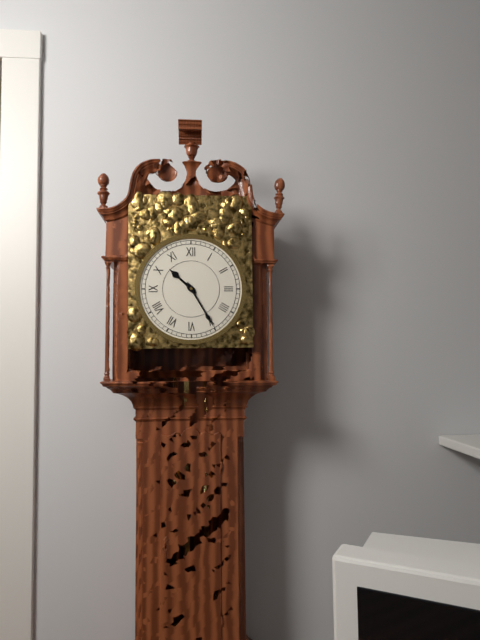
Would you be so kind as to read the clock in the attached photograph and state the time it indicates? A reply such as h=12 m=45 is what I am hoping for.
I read h=10 m=25
